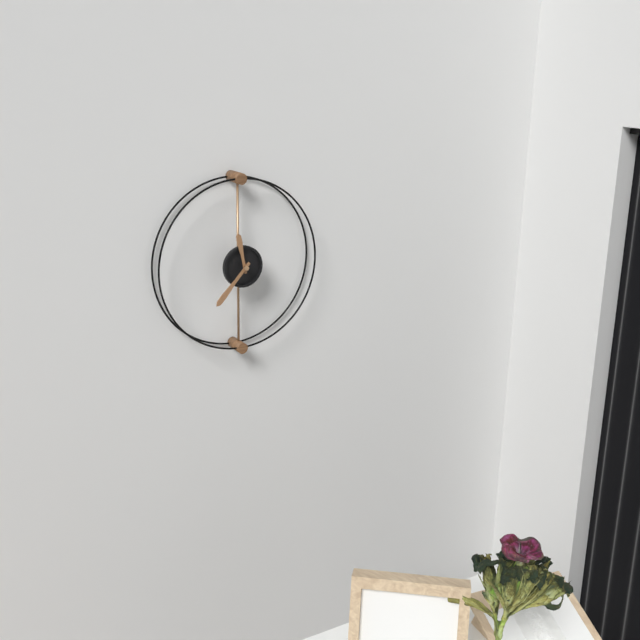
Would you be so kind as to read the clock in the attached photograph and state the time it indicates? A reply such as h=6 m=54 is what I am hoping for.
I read h=11 m=37
